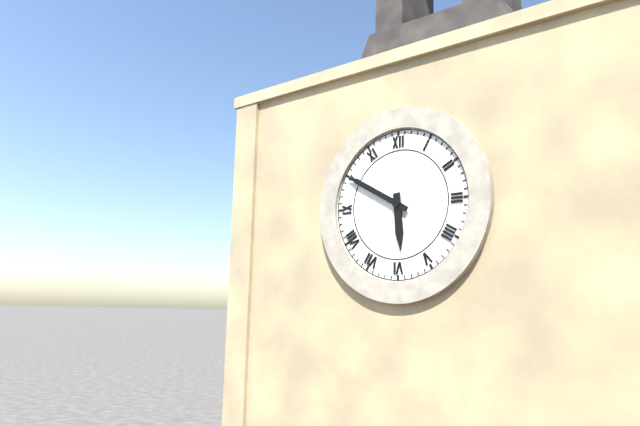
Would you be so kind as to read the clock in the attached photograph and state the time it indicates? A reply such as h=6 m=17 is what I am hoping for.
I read h=5 m=50
